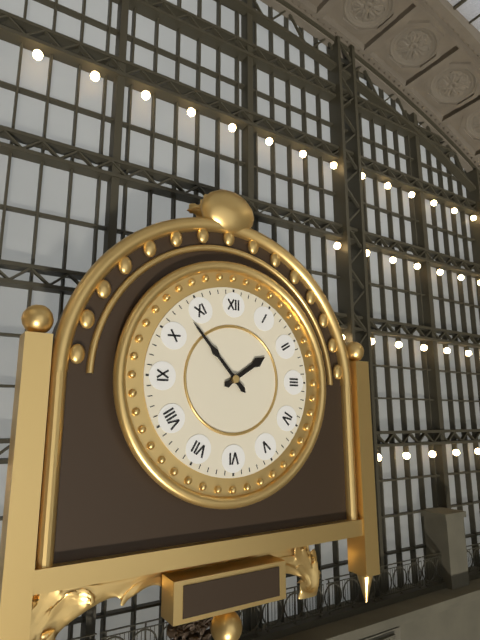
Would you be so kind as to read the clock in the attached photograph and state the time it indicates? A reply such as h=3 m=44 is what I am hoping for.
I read h=1 m=53
